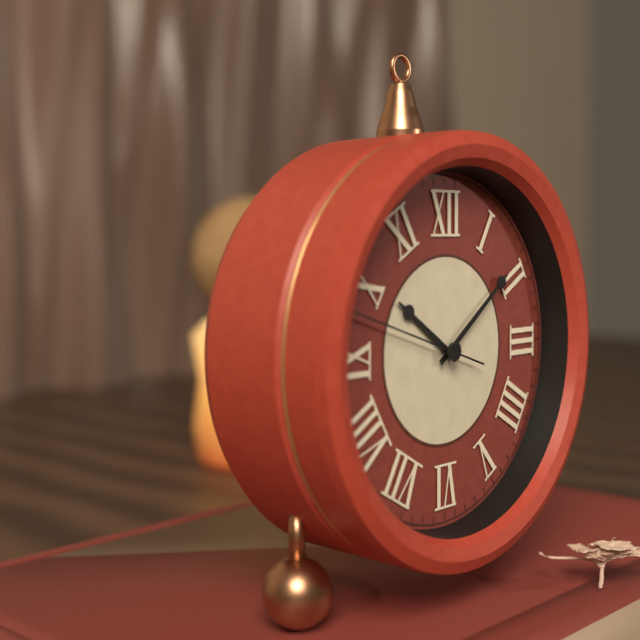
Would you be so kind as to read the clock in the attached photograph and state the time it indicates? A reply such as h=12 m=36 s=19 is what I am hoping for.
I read h=10 m=9 s=48
